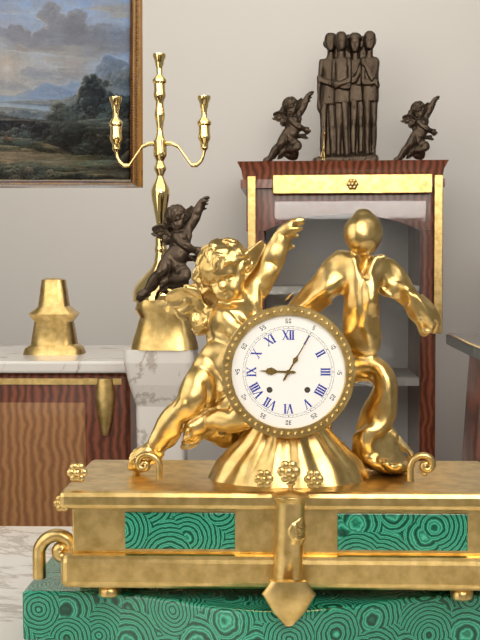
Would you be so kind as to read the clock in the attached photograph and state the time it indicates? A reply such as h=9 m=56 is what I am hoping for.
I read h=9 m=5
